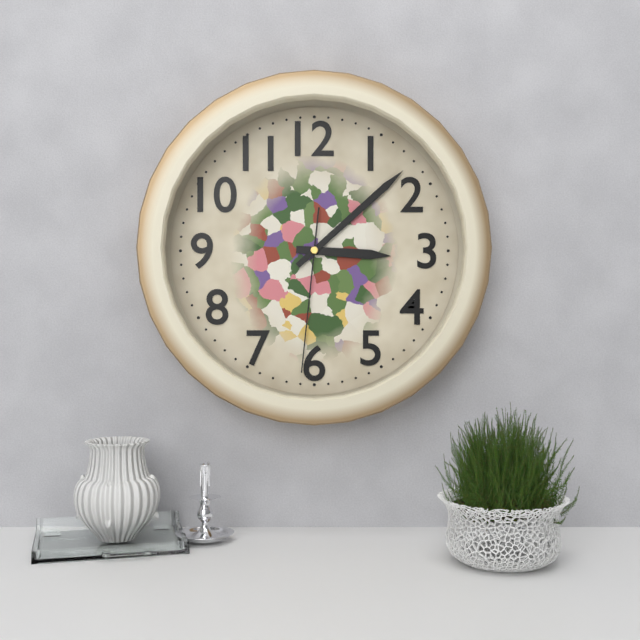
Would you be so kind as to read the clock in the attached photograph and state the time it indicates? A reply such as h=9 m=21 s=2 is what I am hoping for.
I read h=3 m=8 s=31
